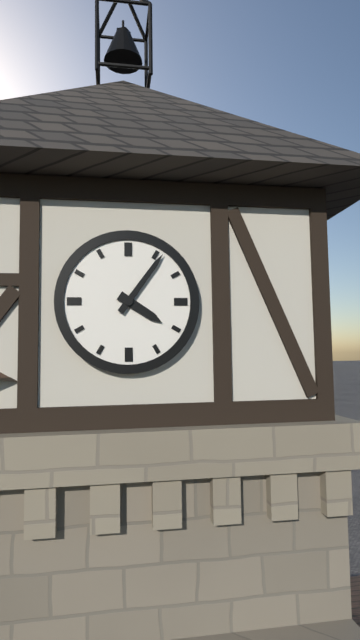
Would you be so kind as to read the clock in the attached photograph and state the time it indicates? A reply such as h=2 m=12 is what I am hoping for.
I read h=4 m=6
